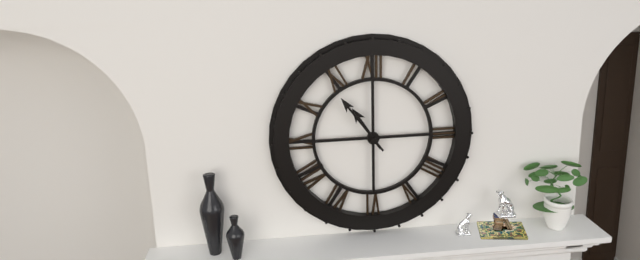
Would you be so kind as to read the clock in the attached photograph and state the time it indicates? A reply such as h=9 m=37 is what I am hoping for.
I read h=10 m=54
